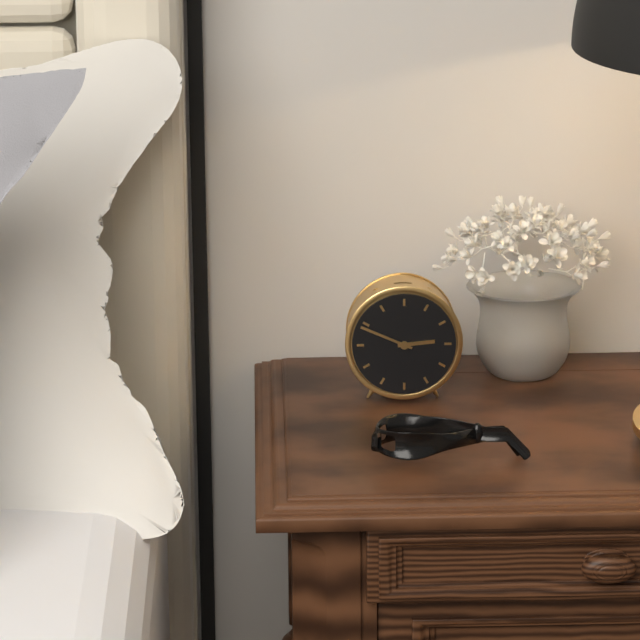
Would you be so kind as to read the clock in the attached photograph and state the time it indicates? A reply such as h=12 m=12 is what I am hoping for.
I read h=2 m=49
